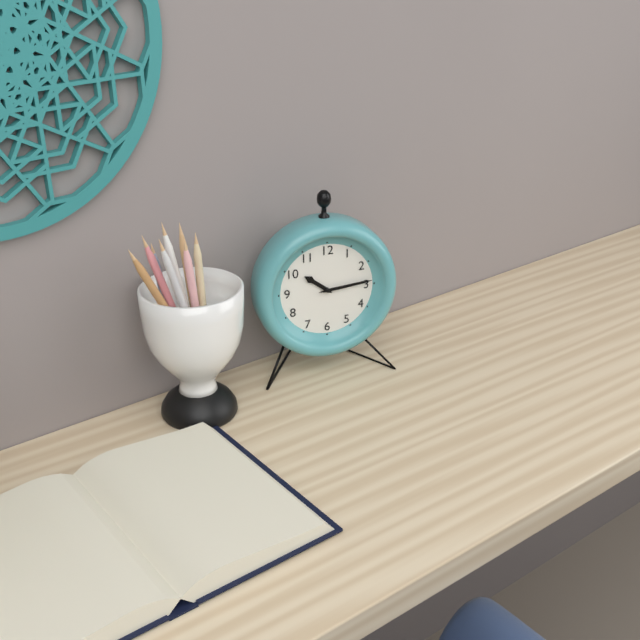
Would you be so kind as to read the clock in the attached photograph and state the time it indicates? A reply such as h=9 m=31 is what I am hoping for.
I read h=10 m=14
